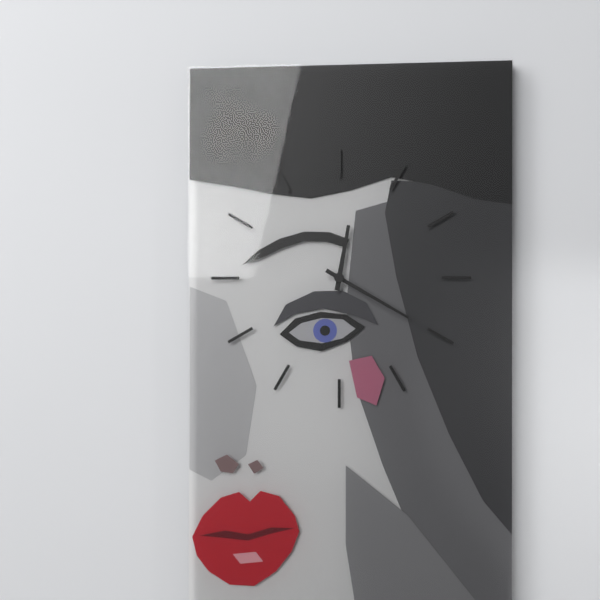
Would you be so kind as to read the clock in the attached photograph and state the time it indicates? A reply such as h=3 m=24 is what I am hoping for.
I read h=12 m=20
